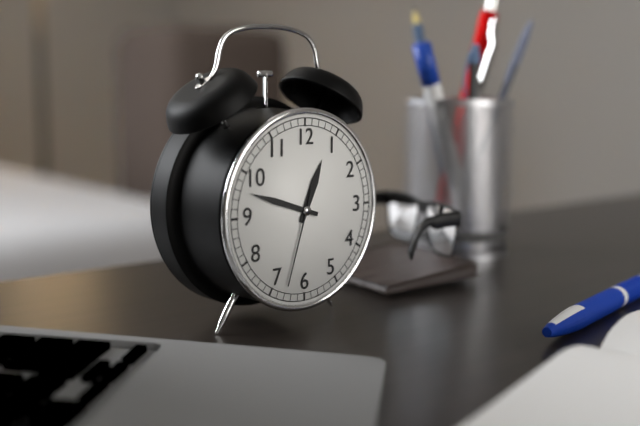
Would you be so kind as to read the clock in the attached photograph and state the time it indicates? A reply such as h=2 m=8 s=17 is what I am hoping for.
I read h=12 m=48 s=33
